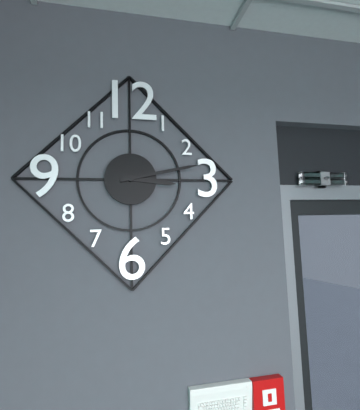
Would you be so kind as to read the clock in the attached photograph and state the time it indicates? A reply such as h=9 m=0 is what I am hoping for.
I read h=3 m=13
